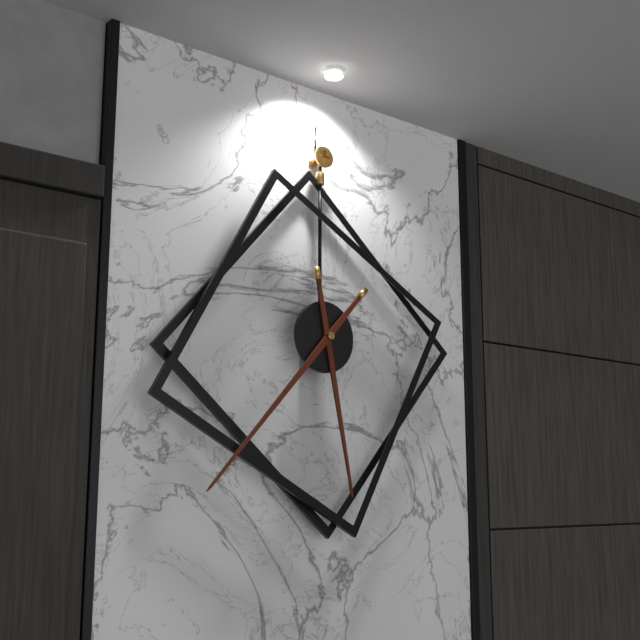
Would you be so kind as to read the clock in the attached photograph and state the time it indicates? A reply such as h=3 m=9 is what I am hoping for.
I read h=5 m=37
